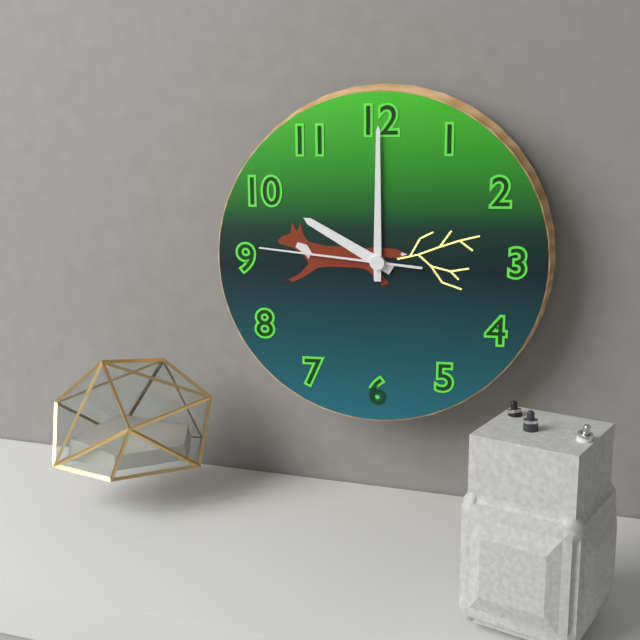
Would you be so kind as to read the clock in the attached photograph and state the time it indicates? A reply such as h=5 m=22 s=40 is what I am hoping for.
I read h=10 m=0 s=46
